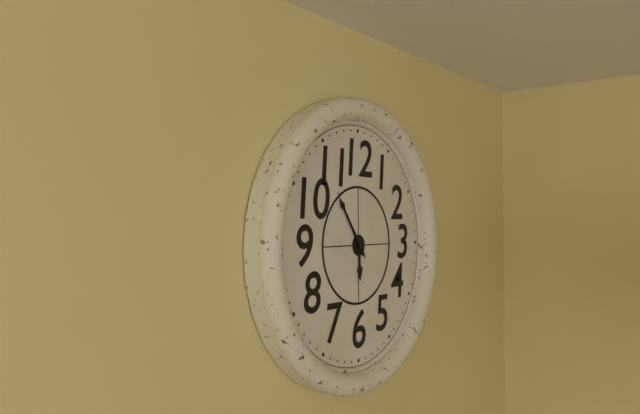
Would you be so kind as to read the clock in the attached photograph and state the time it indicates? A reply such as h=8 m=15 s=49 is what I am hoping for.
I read h=5 m=54 s=54
